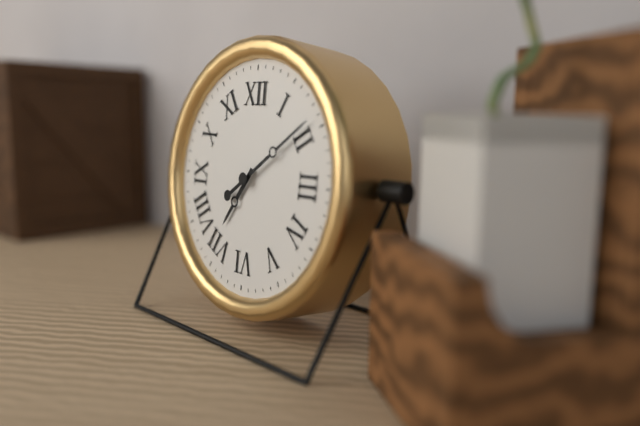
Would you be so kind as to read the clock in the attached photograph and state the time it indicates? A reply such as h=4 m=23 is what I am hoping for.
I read h=7 m=9
